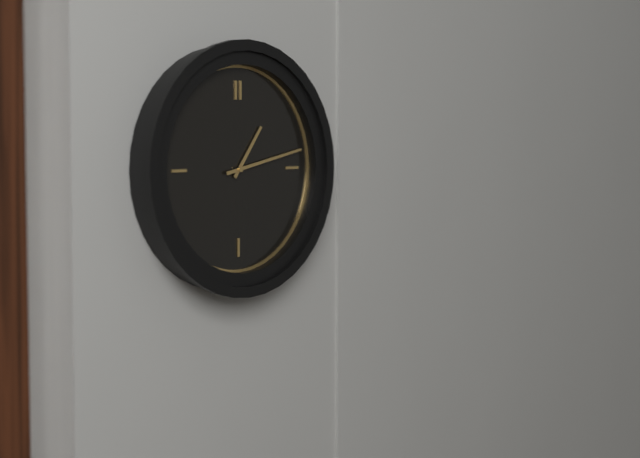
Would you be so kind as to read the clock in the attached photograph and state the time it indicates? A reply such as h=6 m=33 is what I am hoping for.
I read h=1 m=13
